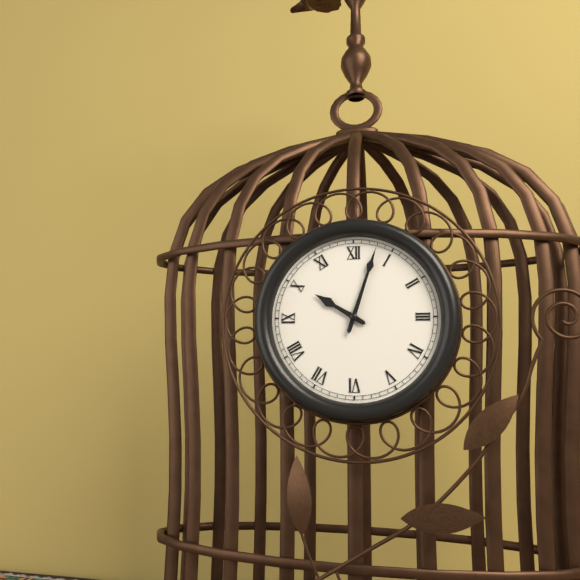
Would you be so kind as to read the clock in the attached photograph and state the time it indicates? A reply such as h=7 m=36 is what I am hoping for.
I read h=10 m=3
